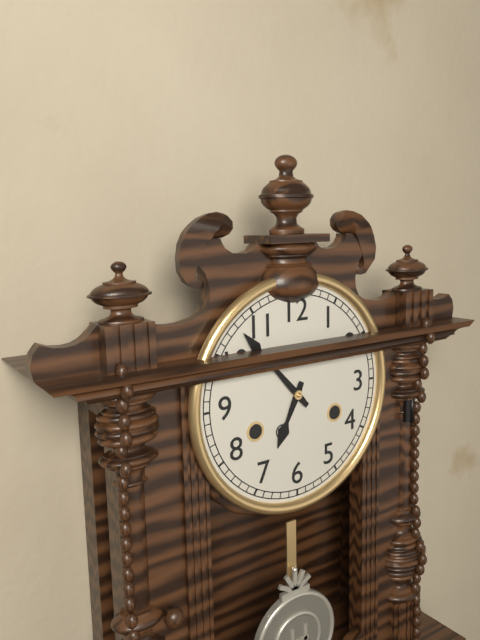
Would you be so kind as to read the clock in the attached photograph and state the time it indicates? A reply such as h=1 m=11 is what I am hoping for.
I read h=6 m=53
